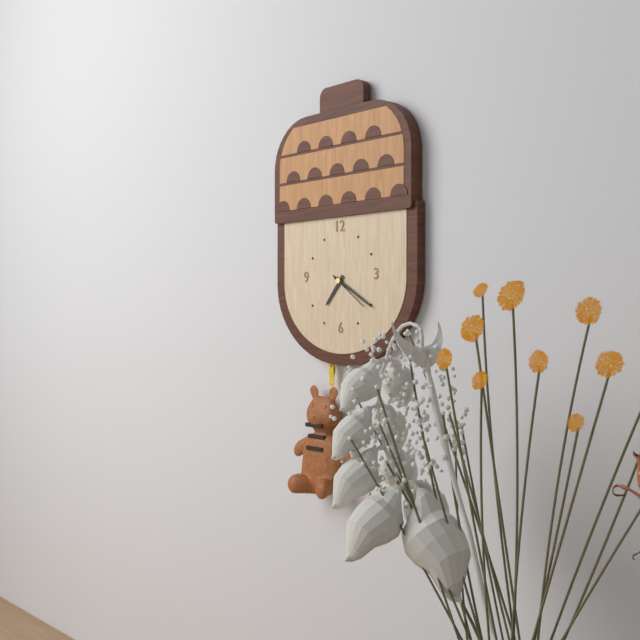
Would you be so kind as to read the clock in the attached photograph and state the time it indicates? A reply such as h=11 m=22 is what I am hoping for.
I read h=7 m=20
